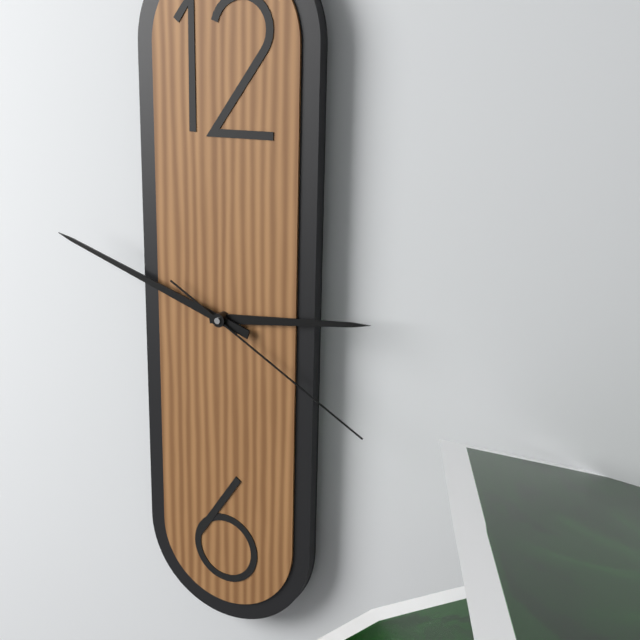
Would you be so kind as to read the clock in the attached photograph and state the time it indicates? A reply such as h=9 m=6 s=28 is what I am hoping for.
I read h=2 m=48 s=20
